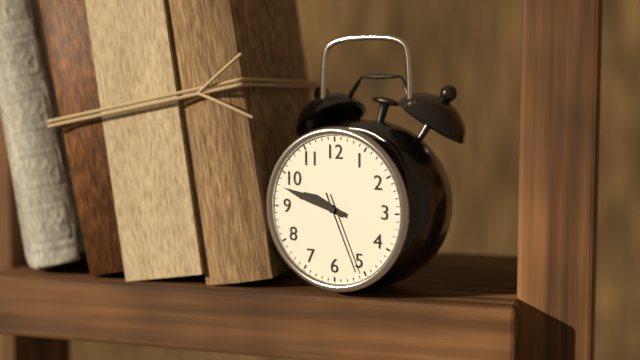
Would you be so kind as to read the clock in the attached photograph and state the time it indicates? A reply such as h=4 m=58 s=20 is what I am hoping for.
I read h=9 m=48 s=26
